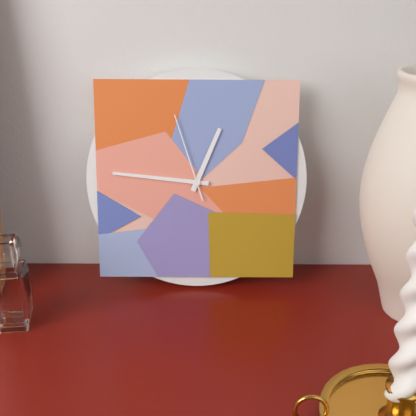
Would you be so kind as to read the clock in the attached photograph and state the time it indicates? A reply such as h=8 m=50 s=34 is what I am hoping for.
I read h=12 m=46 s=57
